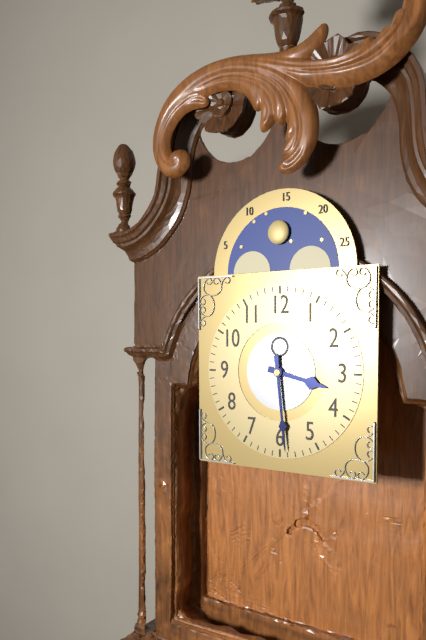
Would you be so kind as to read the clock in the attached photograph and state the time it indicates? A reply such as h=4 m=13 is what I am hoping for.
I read h=3 m=29
